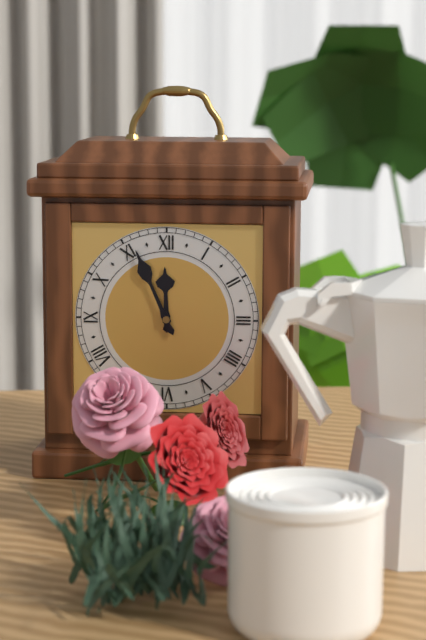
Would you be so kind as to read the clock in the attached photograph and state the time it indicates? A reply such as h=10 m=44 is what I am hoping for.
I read h=11 m=56
